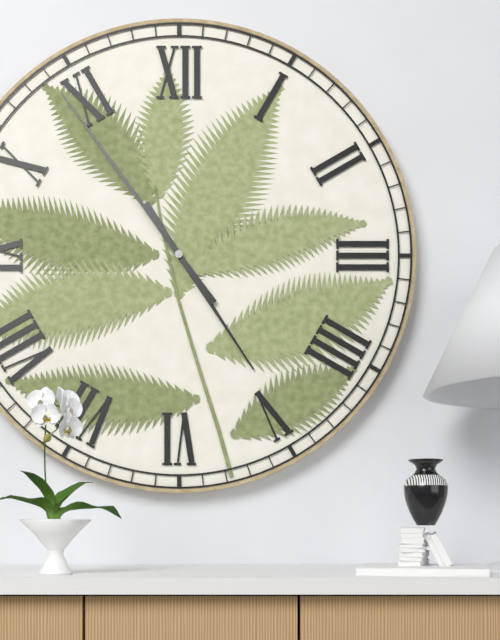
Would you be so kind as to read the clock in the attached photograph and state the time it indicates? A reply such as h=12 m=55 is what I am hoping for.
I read h=4 m=54
